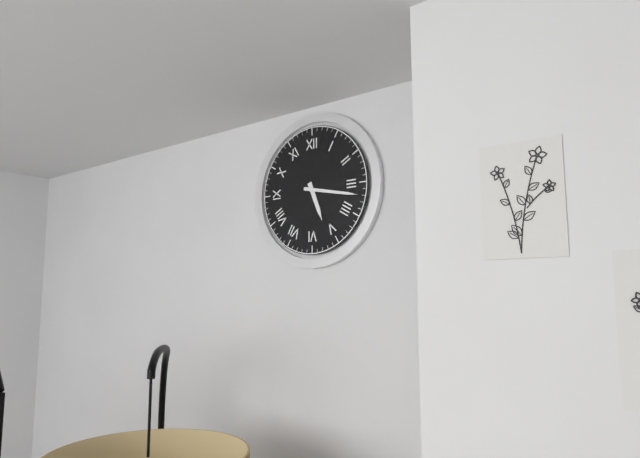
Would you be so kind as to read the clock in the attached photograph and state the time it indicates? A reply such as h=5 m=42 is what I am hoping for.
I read h=5 m=17
